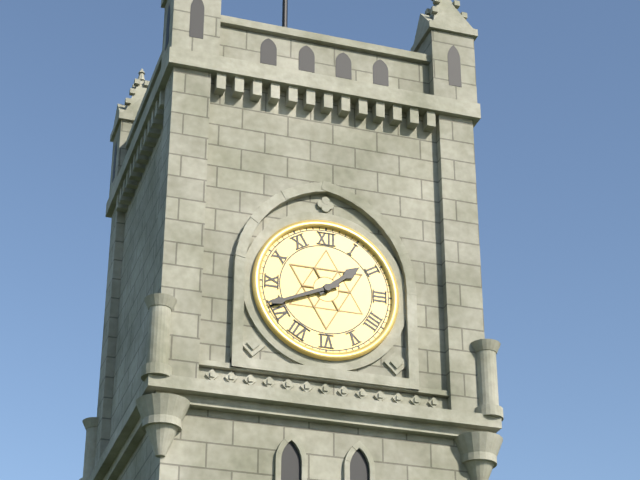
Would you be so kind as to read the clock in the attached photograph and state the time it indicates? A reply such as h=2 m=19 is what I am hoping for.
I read h=1 m=41
